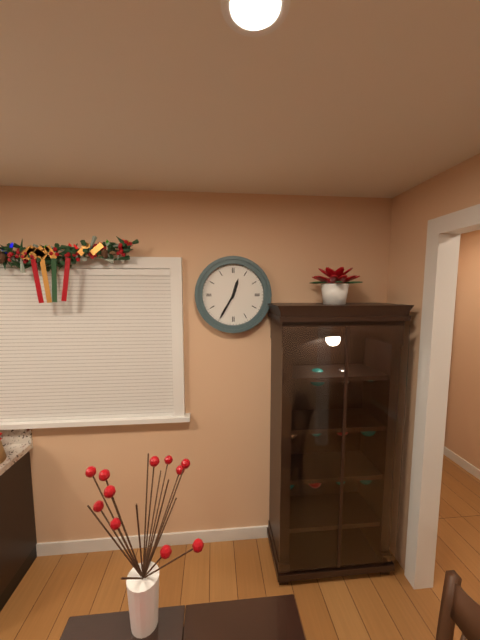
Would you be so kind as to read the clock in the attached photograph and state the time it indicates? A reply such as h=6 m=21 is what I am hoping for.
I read h=12 m=35
